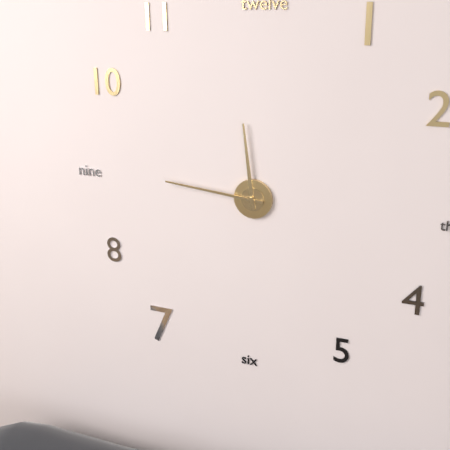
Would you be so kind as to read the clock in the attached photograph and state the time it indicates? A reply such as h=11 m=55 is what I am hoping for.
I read h=11 m=46
